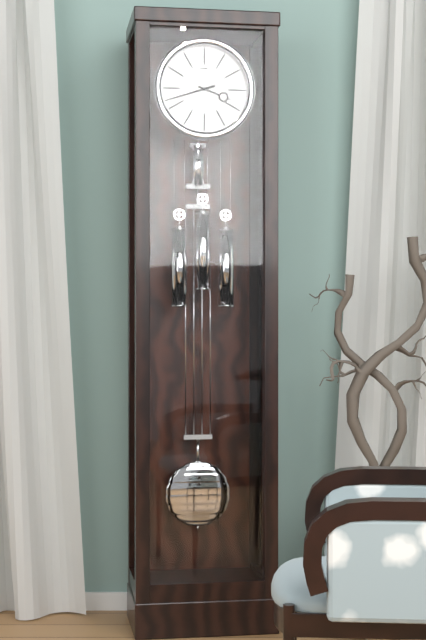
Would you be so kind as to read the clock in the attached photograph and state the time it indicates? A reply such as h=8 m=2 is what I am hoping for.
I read h=3 m=42
